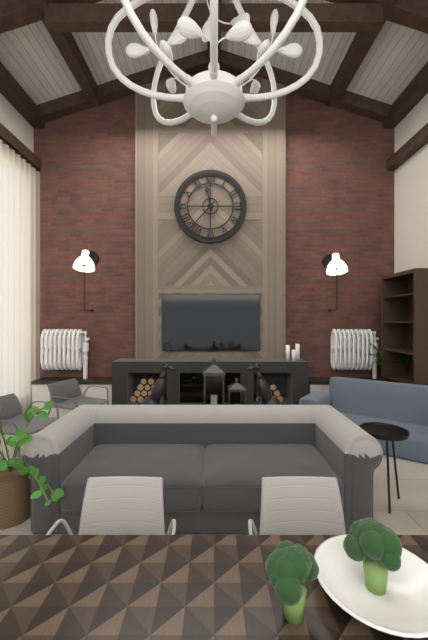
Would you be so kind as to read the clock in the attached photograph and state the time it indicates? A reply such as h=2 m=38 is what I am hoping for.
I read h=11 m=37
